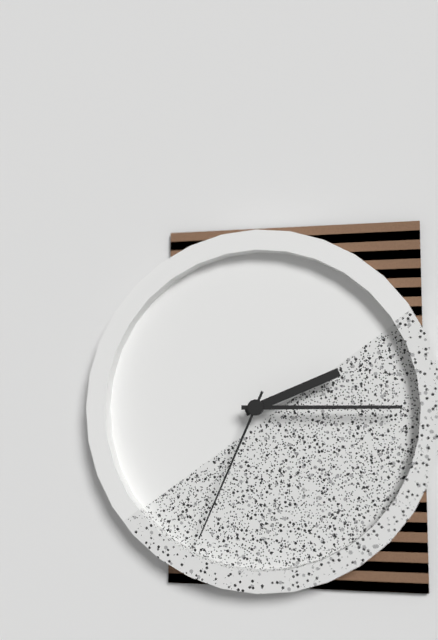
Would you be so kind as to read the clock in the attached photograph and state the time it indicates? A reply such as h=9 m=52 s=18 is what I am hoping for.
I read h=2 m=15 s=34
